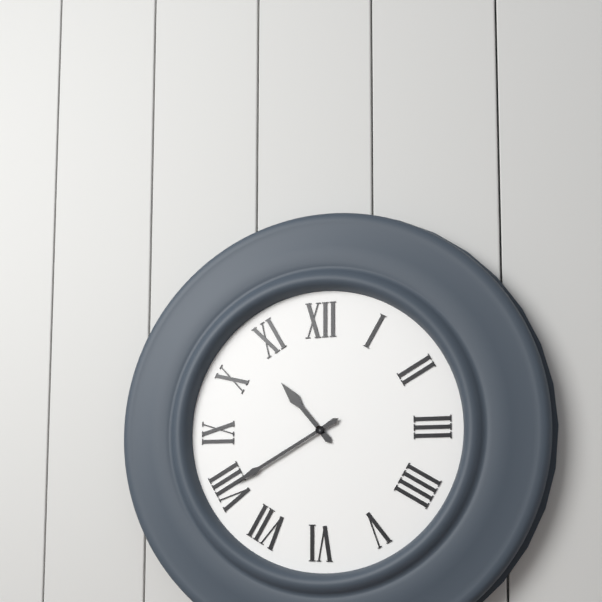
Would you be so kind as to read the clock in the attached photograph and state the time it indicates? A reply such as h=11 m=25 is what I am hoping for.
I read h=10 m=40
